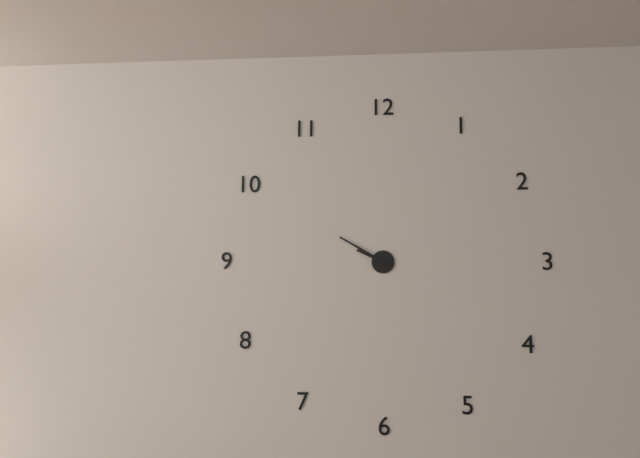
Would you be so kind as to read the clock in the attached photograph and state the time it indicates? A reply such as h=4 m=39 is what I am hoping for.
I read h=9 m=50
